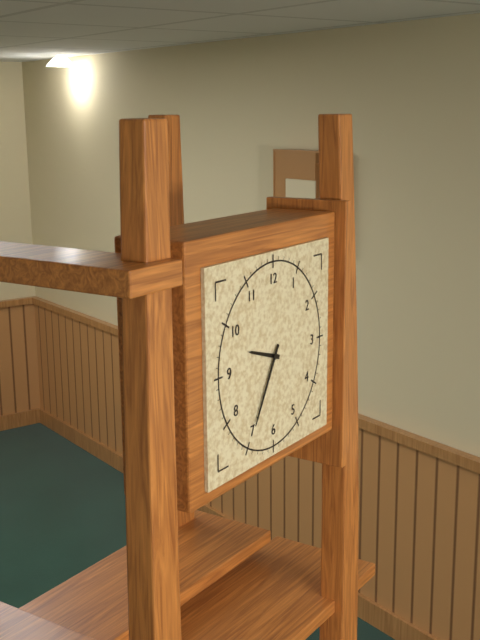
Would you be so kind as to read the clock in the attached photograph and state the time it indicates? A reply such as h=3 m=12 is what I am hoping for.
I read h=9 m=35
